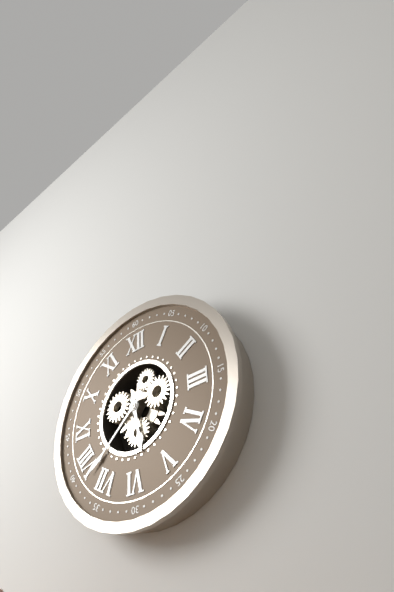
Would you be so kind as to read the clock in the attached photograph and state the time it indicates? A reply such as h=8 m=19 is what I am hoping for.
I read h=5 m=38
